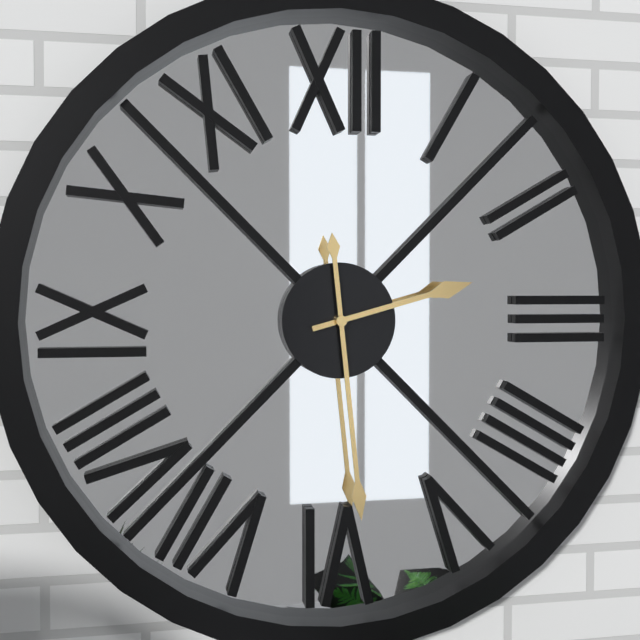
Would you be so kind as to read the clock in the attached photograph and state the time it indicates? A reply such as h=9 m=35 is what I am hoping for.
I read h=2 m=29
